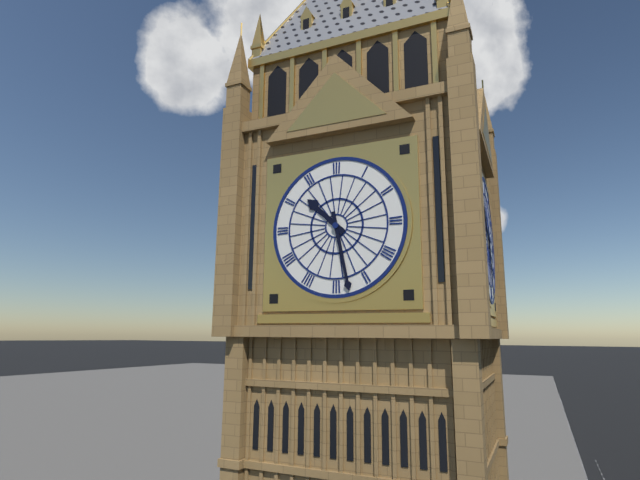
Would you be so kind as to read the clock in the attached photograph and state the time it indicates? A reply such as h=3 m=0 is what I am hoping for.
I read h=10 m=28
